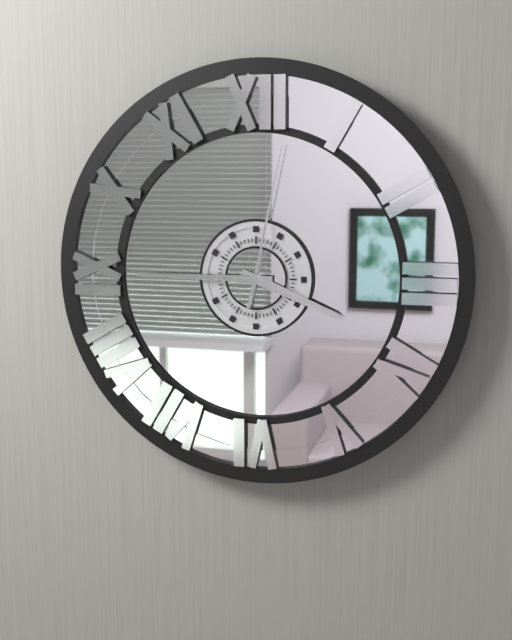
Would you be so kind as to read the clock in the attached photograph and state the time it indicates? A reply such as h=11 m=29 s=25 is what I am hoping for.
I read h=3 m=45 s=2
